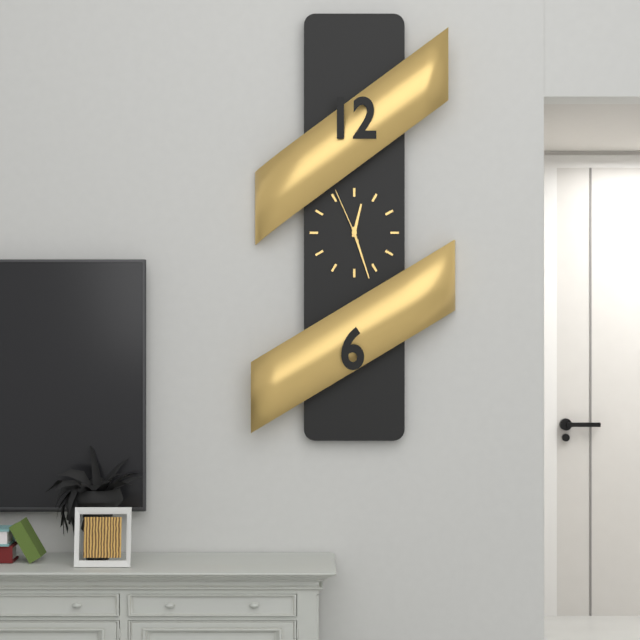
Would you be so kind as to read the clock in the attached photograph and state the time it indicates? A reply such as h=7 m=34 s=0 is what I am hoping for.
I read h=12 m=27 s=56
